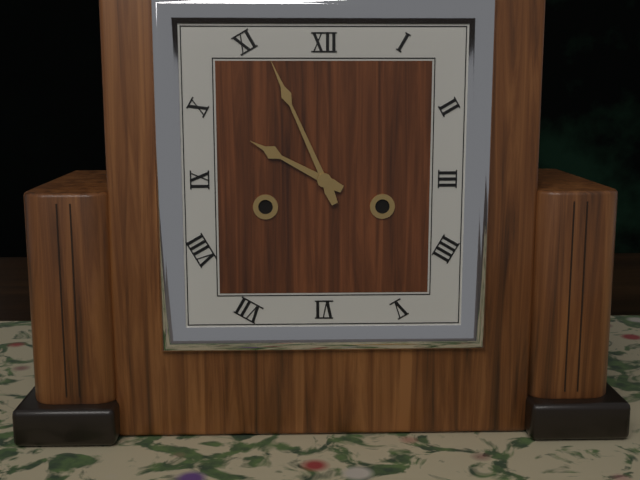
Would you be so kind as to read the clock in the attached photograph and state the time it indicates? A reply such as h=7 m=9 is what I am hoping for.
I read h=9 m=56
